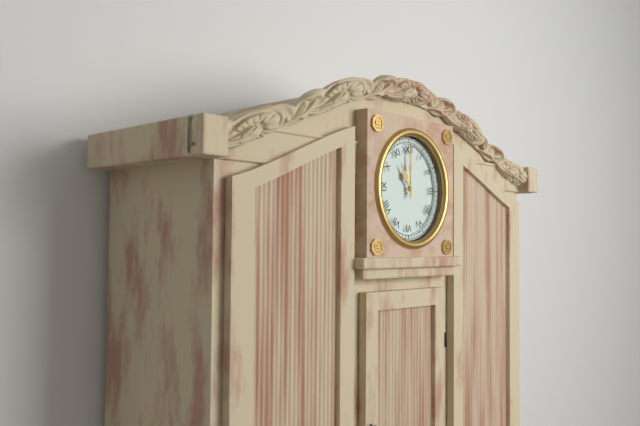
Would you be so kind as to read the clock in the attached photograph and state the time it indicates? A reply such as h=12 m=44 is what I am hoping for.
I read h=11 m=0
